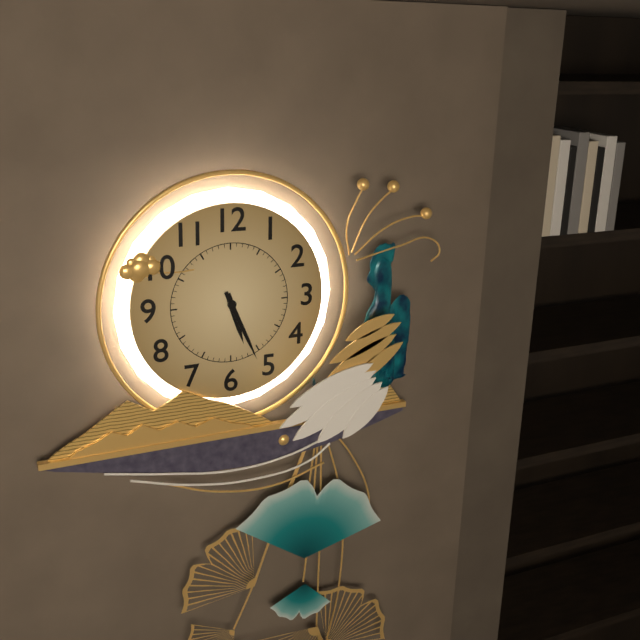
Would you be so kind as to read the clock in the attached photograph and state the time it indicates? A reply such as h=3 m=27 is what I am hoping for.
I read h=5 m=26
